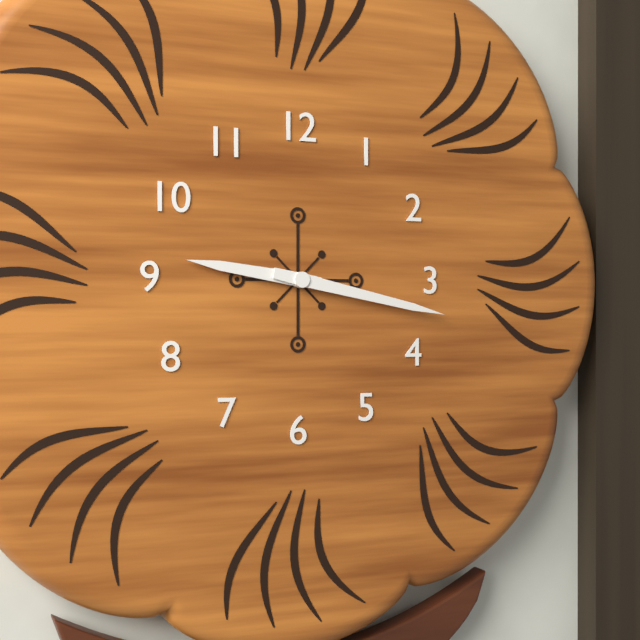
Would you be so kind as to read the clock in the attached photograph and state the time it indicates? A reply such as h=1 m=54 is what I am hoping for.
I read h=9 m=17
